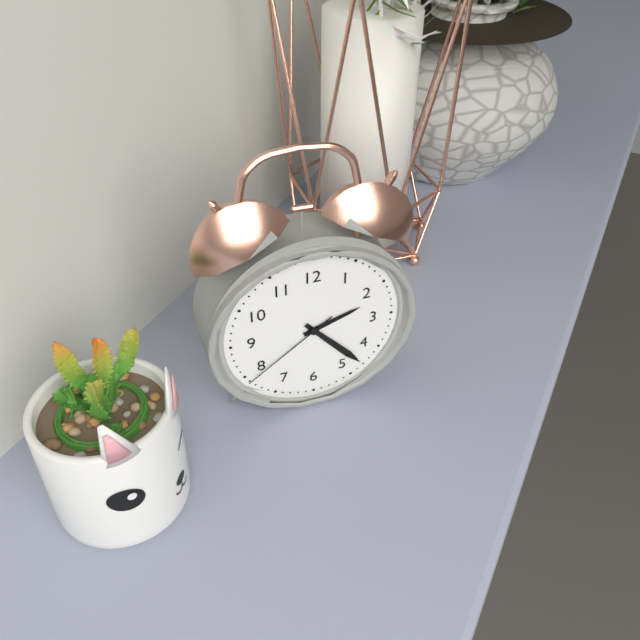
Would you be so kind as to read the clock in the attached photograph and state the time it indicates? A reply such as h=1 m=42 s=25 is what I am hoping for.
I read h=2 m=23 s=39
